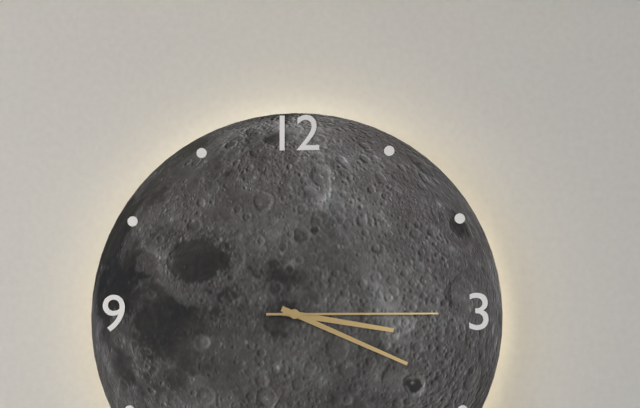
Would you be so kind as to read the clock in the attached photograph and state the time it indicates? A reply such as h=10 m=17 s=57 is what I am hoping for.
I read h=3 m=19 s=15
